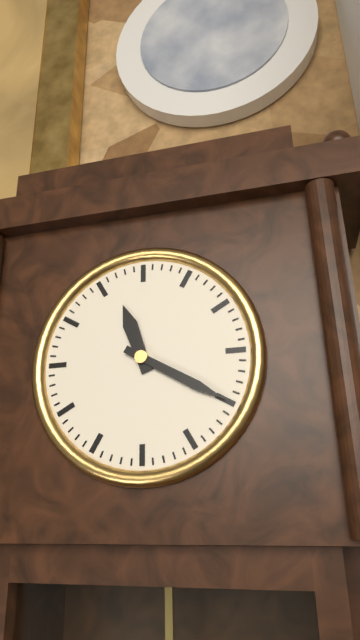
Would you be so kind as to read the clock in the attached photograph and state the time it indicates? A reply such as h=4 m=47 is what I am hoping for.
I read h=11 m=20
